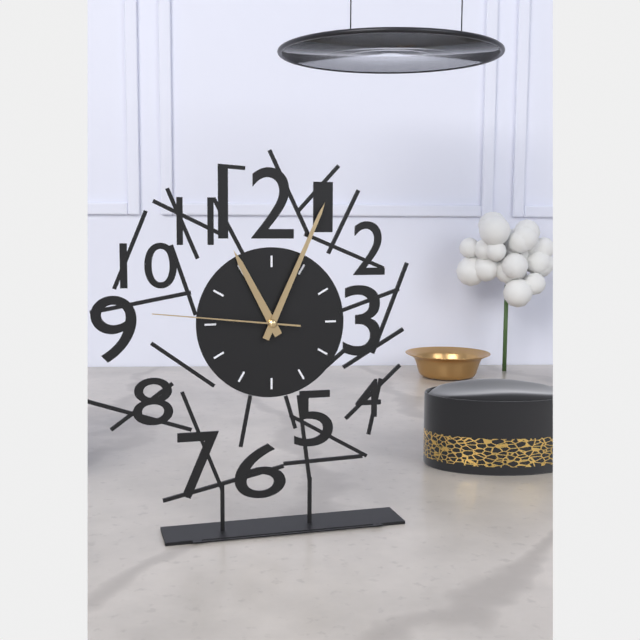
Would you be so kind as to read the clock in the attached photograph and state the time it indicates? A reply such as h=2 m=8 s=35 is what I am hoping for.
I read h=11 m=4 s=46
